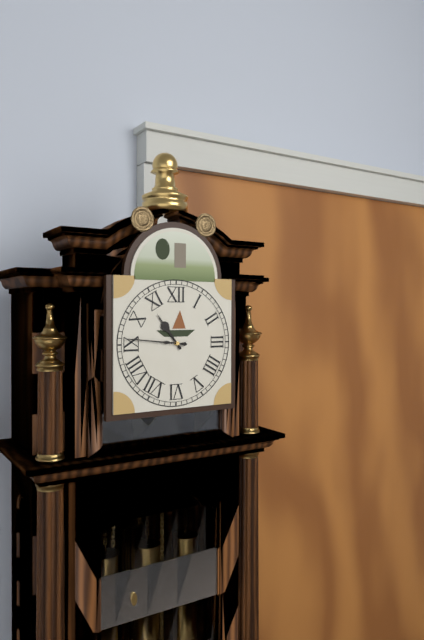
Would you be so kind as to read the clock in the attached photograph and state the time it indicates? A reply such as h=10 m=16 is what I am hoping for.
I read h=10 m=46
